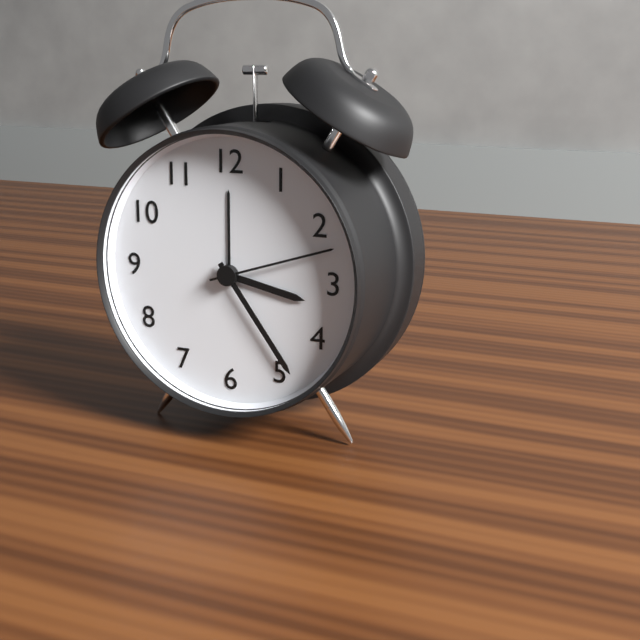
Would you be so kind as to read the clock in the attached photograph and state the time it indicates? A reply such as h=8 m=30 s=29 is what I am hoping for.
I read h=3 m=24 s=12
